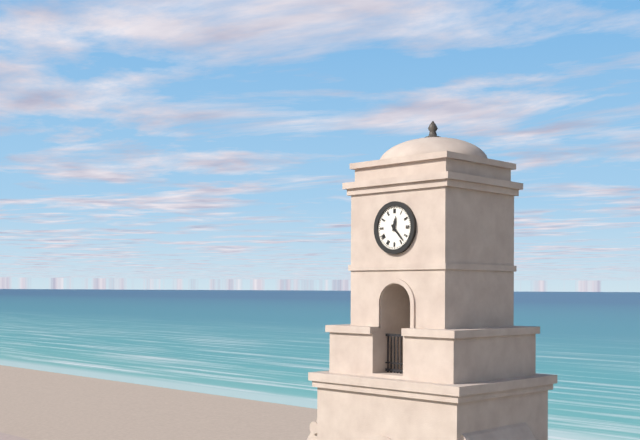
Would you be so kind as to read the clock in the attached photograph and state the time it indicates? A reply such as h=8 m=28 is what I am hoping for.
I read h=12 m=23
